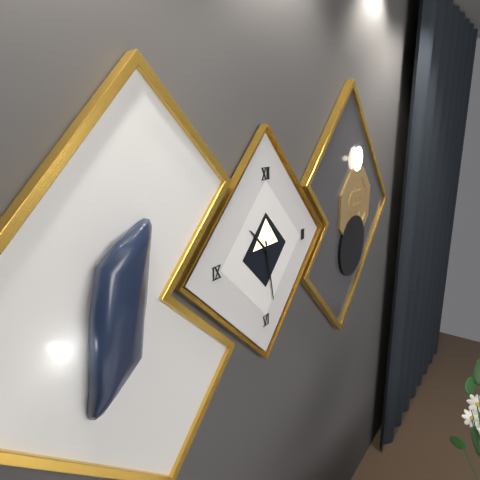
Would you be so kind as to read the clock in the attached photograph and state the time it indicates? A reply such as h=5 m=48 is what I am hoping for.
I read h=10 m=28
